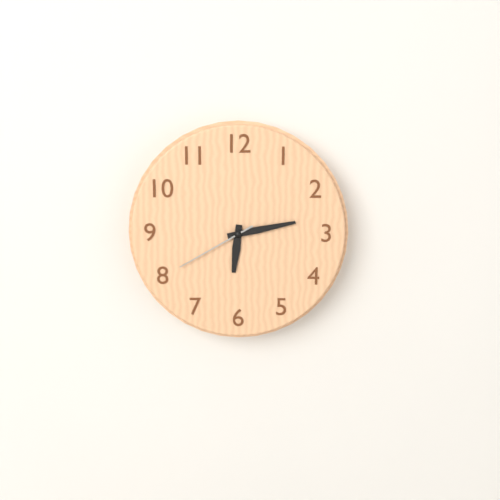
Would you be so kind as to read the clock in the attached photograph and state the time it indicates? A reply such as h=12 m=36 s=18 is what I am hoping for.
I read h=6 m=13 s=40
